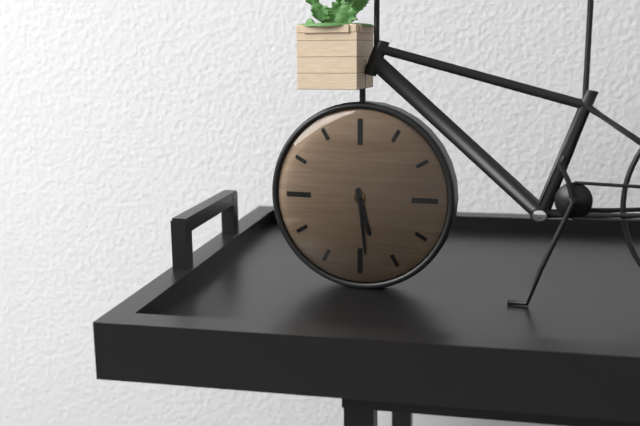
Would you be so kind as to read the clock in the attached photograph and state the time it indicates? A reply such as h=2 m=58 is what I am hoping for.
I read h=5 m=29
